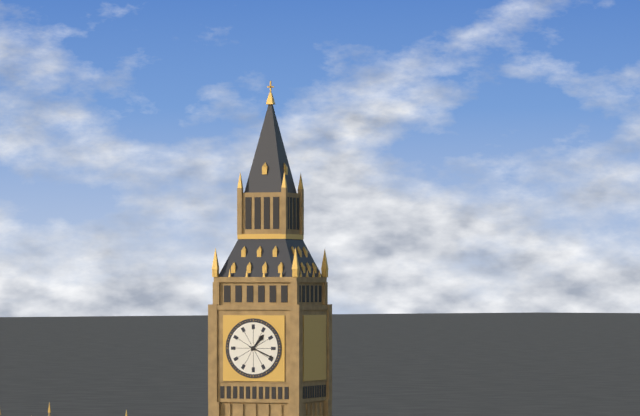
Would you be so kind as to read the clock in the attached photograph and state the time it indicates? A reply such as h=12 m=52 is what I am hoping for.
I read h=1 m=19
